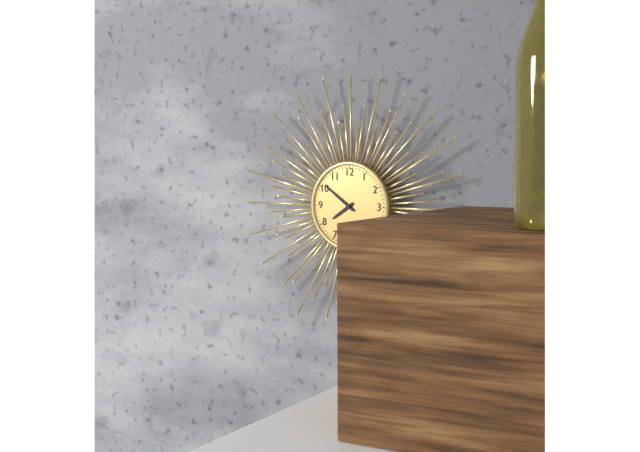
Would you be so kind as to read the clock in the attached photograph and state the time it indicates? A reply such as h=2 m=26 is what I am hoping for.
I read h=7 m=51
